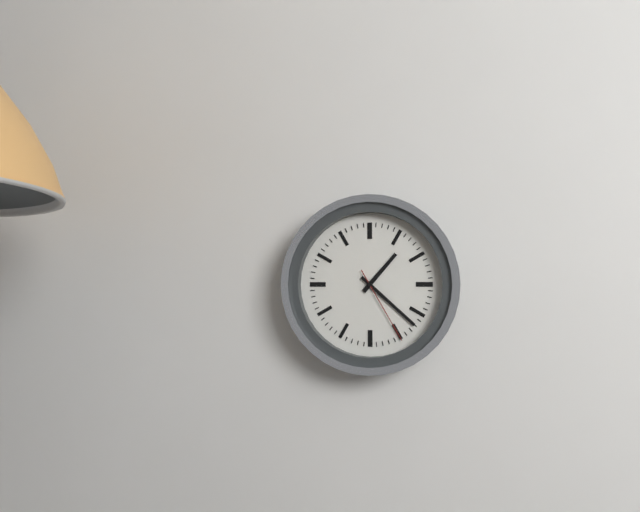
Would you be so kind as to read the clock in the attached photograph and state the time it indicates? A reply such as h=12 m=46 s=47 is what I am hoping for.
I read h=1 m=22 s=25
